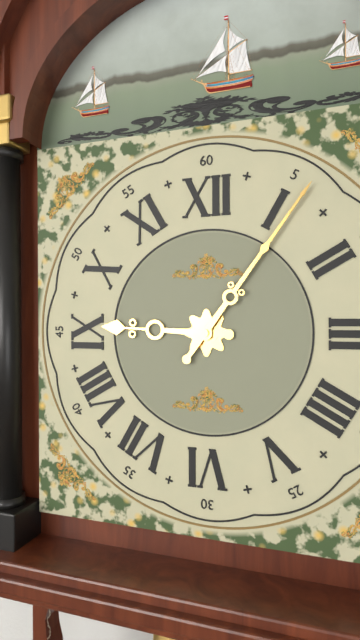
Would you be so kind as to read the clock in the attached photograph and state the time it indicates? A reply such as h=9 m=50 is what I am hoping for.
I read h=9 m=6
